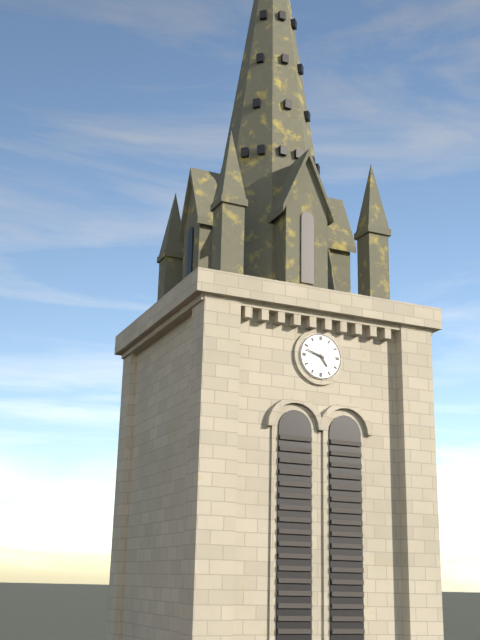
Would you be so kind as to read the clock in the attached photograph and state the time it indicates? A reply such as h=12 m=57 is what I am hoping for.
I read h=4 m=48
